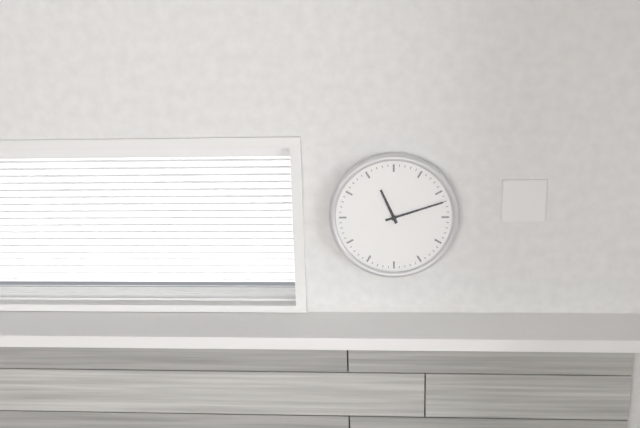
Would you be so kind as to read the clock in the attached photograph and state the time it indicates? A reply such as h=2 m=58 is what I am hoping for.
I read h=11 m=12
